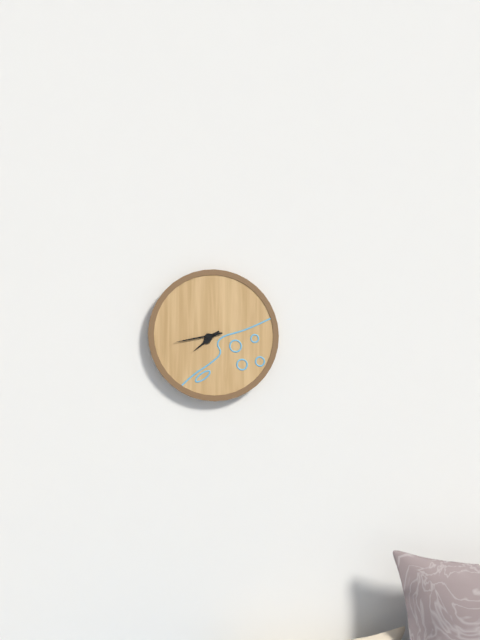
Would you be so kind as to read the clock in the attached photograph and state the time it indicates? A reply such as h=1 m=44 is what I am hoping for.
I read h=7 m=43
